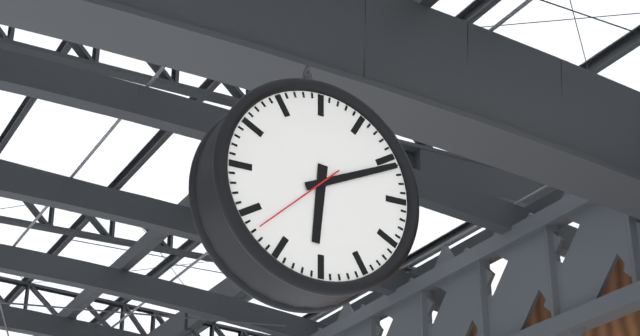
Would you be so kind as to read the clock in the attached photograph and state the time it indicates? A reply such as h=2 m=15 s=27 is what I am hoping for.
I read h=6 m=11 s=38
